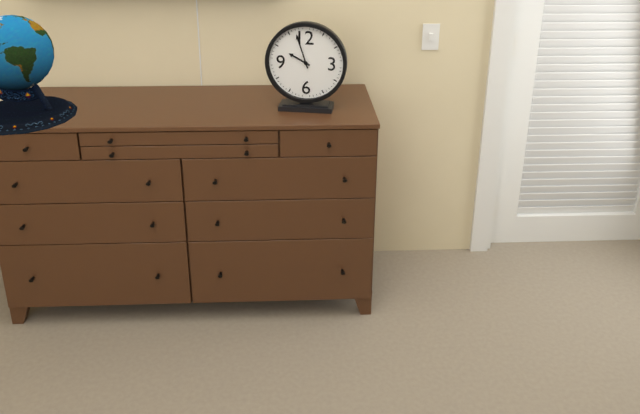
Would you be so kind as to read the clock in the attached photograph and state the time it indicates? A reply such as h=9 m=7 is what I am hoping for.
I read h=9 m=57
